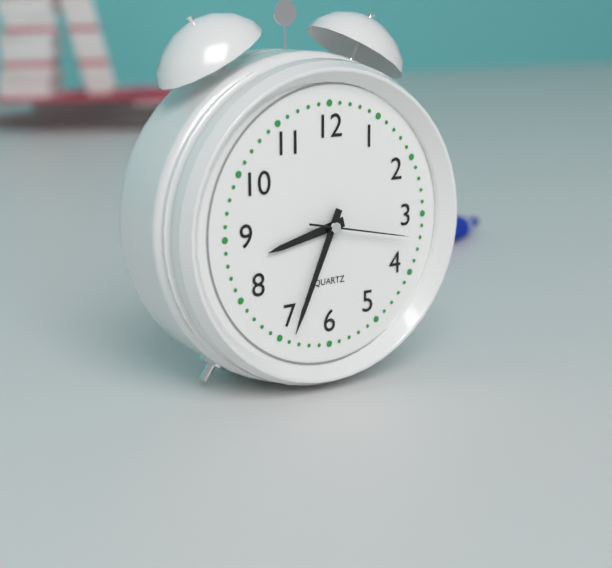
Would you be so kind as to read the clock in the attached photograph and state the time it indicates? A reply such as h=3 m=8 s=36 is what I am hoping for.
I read h=8 m=34 s=17
